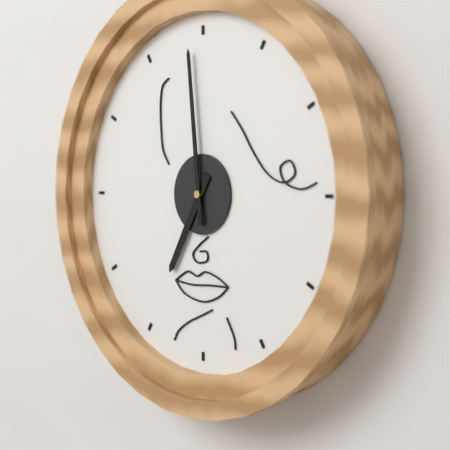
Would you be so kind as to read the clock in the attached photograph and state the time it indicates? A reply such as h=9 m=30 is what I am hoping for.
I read h=6 m=59
